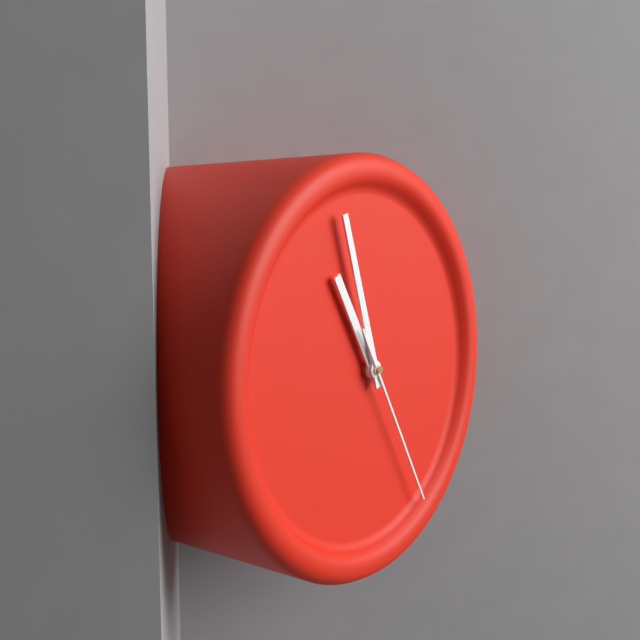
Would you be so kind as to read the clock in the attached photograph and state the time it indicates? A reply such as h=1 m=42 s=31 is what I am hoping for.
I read h=10 m=57 s=25
